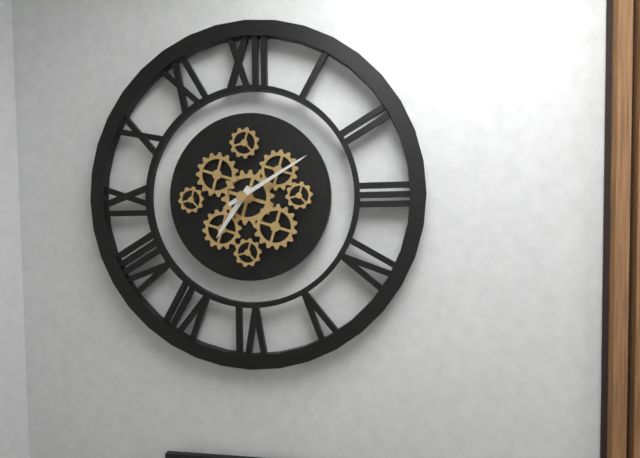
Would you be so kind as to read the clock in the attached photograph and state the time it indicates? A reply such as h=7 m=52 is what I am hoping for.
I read h=7 m=10
